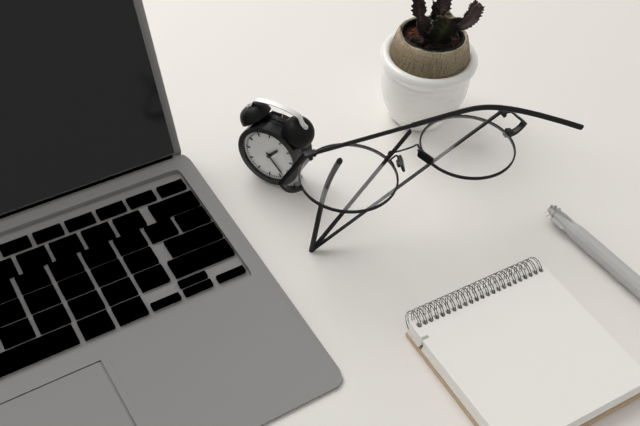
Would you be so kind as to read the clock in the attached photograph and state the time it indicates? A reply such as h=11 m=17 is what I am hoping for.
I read h=1 m=23
